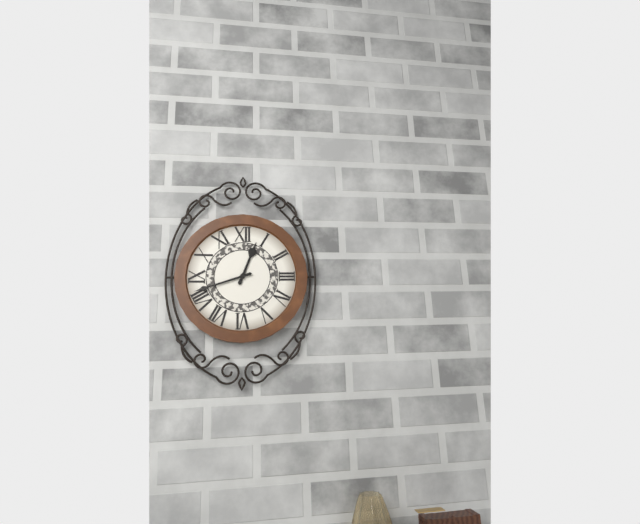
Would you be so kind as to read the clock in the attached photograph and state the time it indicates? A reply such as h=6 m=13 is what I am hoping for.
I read h=12 m=42
